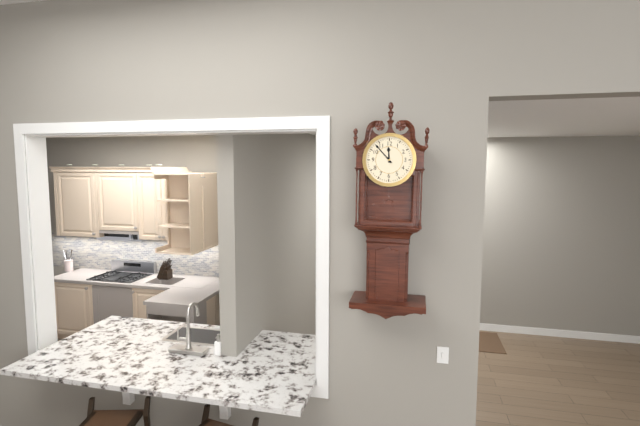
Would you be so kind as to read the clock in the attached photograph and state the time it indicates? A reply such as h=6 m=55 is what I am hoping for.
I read h=11 m=53
